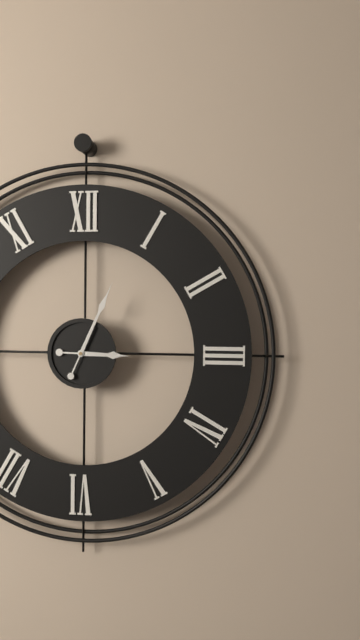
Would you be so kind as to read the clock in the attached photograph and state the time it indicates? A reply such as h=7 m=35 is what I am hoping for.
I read h=3 m=4
